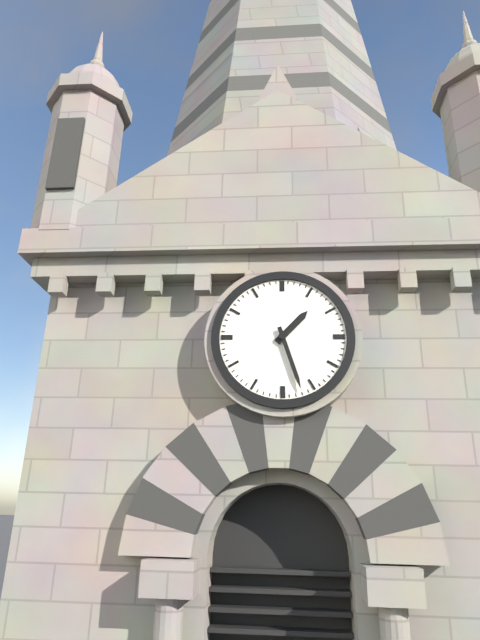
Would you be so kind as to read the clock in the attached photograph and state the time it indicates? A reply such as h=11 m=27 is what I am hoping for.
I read h=1 m=27
